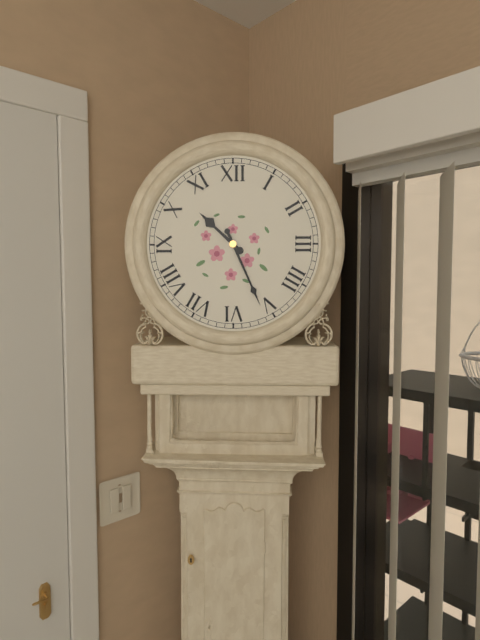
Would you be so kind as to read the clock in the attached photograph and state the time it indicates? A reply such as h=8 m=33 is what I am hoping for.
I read h=10 m=26
